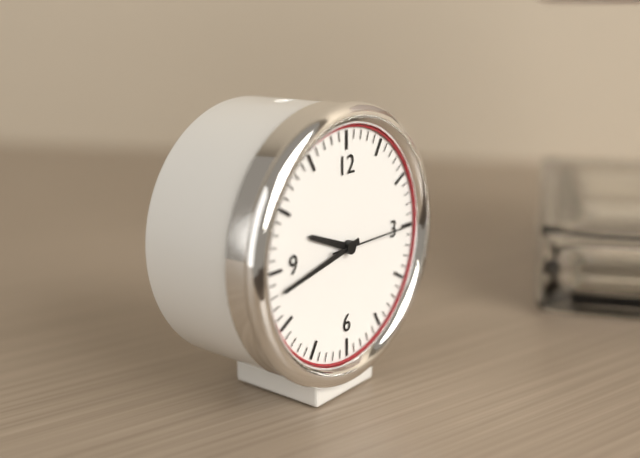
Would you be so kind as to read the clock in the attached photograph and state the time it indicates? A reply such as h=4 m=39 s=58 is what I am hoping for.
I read h=9 m=43 s=15
